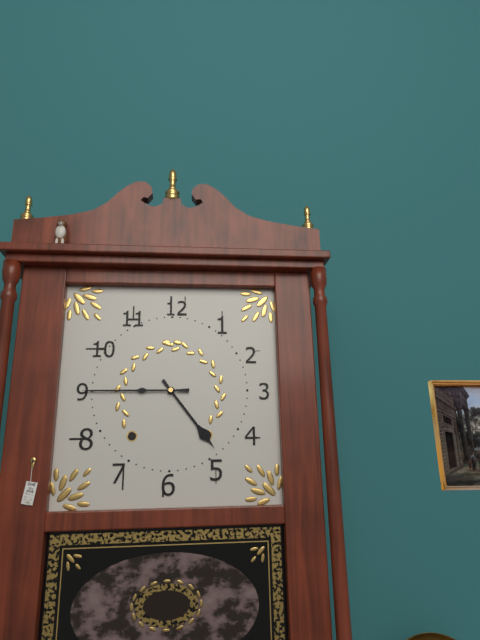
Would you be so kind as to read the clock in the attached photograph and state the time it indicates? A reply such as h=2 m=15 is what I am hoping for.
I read h=4 m=45
